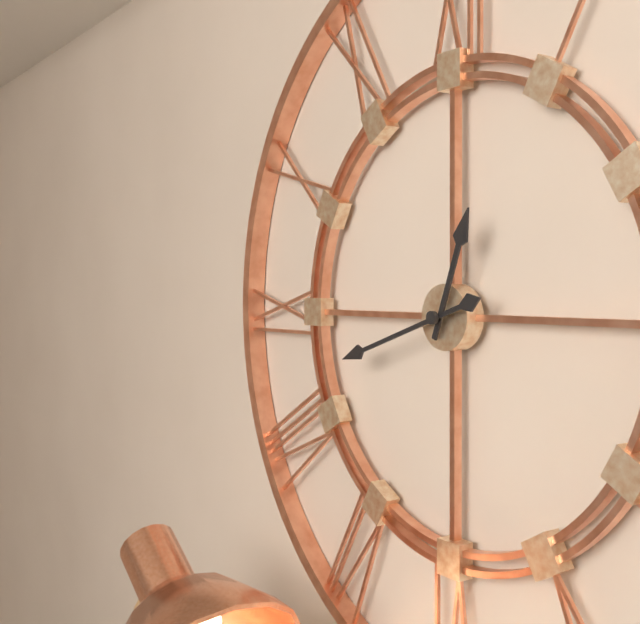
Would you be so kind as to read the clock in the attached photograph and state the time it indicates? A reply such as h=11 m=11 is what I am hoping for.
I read h=12 m=42
